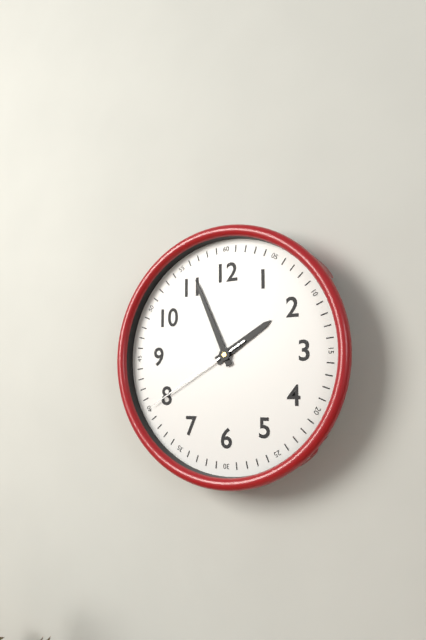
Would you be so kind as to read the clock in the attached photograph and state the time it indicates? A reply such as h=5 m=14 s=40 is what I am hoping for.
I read h=1 m=56 s=40
